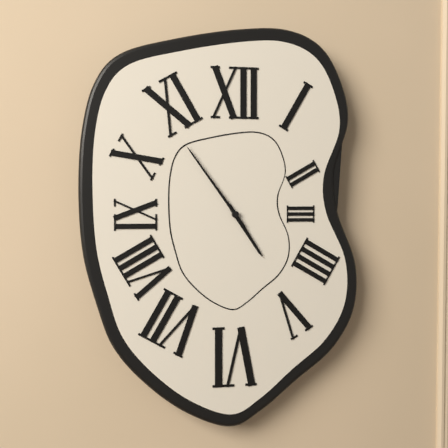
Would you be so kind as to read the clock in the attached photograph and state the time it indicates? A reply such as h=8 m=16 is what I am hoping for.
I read h=4 m=54
